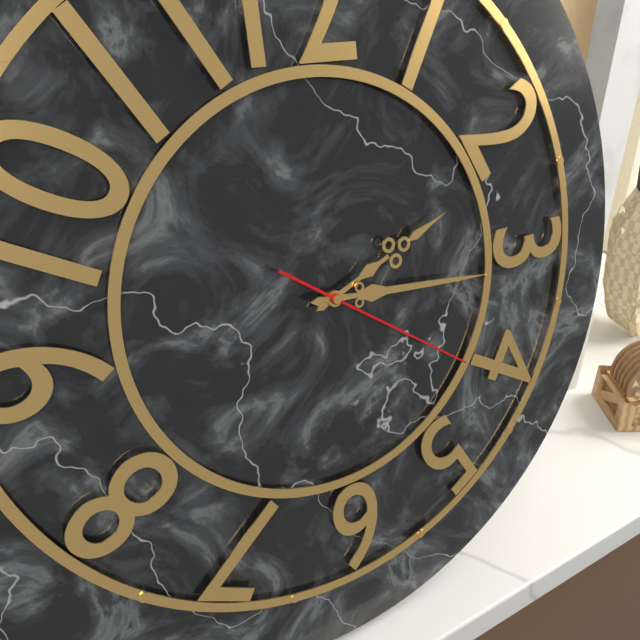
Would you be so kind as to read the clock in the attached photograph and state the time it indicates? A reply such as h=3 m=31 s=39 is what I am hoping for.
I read h=2 m=16 s=21
